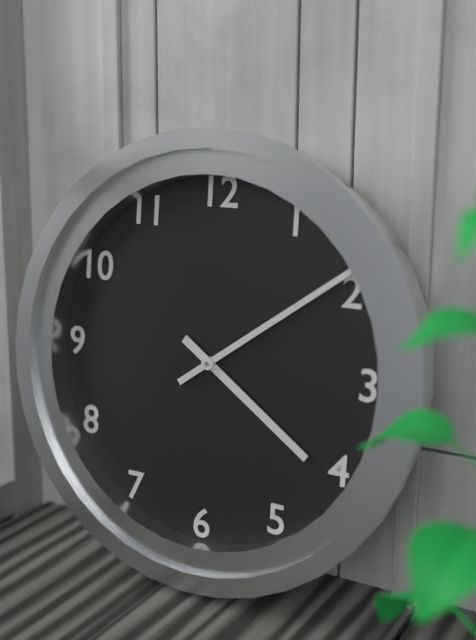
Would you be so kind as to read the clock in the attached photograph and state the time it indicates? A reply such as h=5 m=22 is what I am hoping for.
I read h=4 m=9
